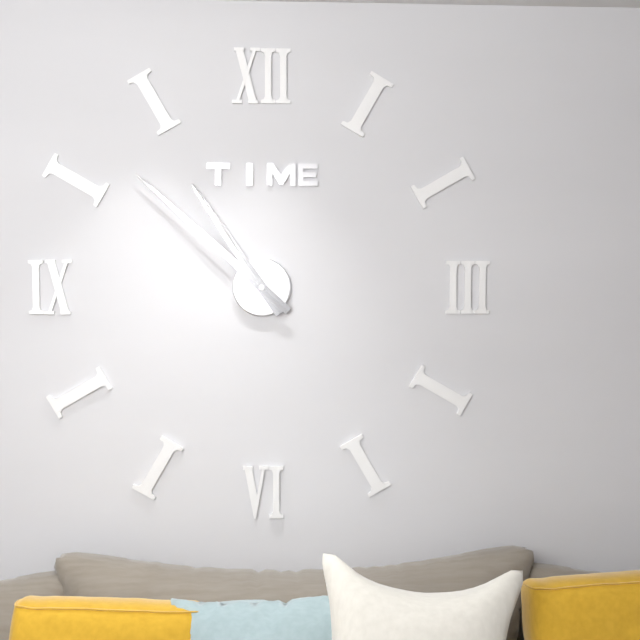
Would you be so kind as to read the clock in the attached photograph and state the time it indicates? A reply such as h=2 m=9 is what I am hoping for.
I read h=10 m=52
